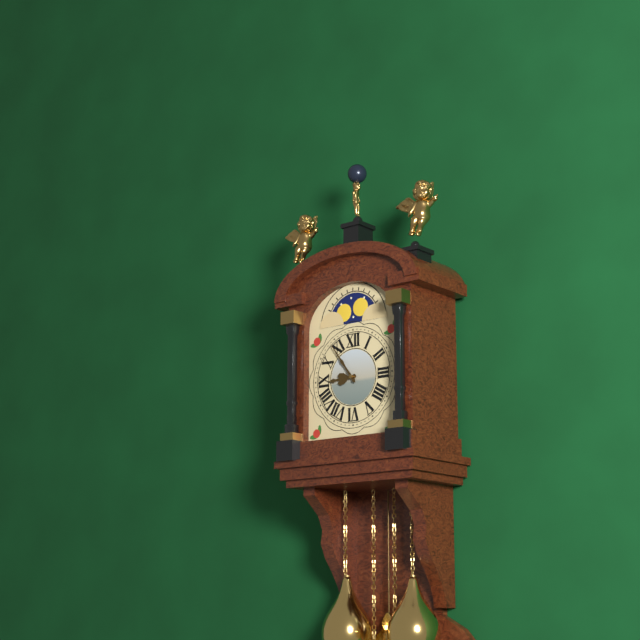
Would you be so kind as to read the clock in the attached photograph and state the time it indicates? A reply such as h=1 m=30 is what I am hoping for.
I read h=8 m=54
